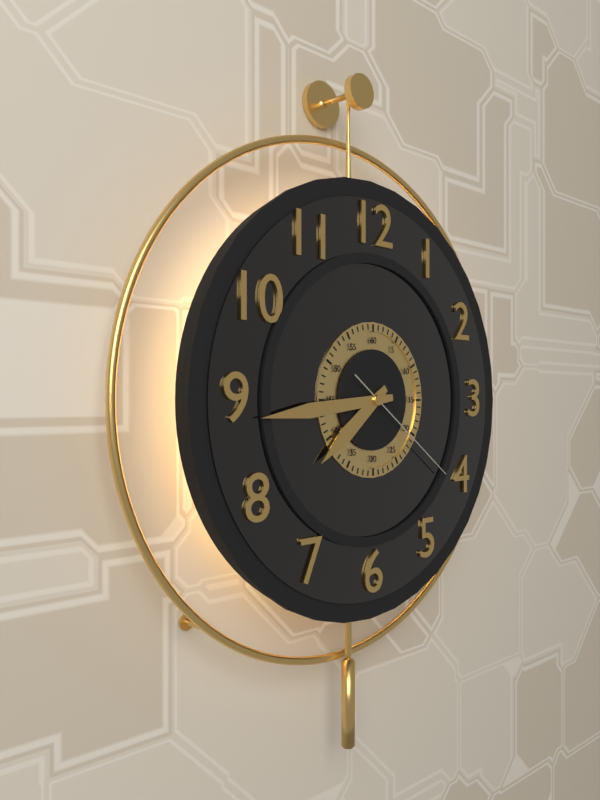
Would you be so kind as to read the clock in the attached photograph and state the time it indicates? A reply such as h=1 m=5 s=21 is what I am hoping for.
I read h=7 m=44 s=21
